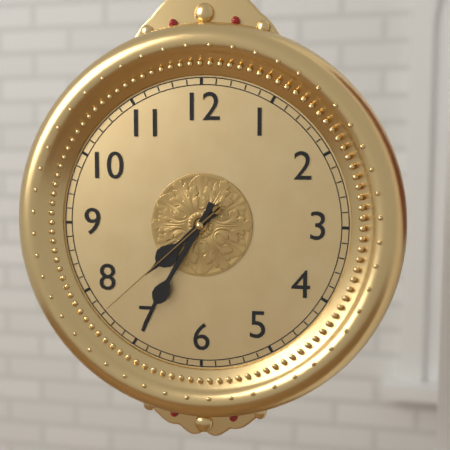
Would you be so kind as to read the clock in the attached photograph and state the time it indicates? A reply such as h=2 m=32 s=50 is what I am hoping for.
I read h=7 m=35 s=38
